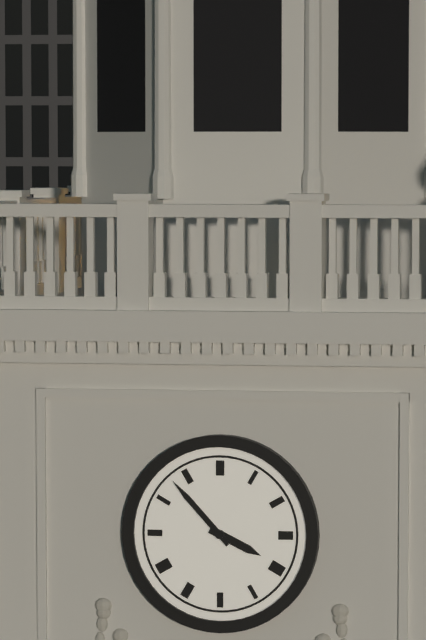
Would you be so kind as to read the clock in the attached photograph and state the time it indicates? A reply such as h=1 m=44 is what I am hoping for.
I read h=3 m=53
